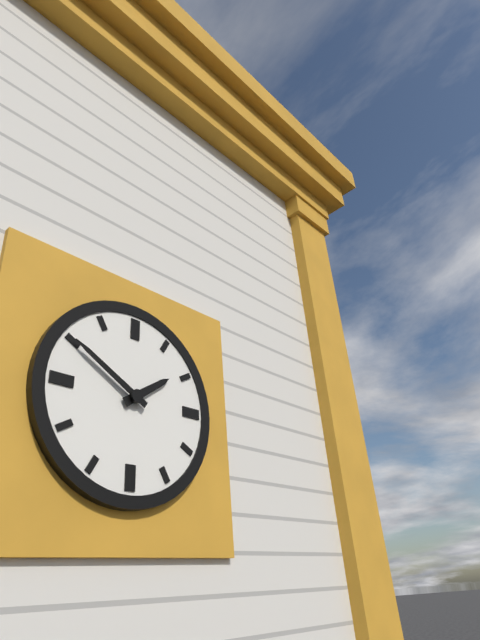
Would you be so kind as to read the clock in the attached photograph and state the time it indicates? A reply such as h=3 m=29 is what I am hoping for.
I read h=1 m=50
